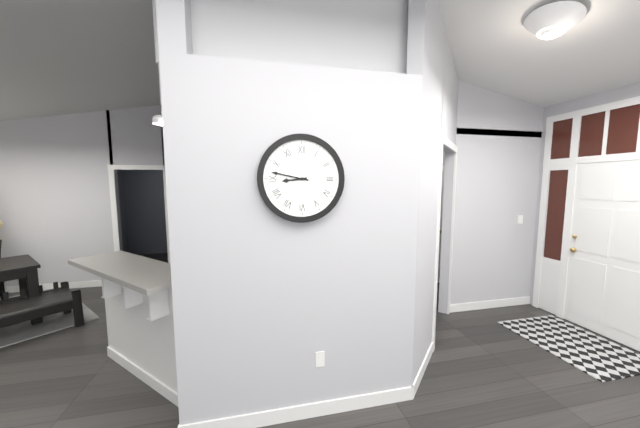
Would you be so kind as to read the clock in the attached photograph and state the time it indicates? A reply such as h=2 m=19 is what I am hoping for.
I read h=8 m=47
